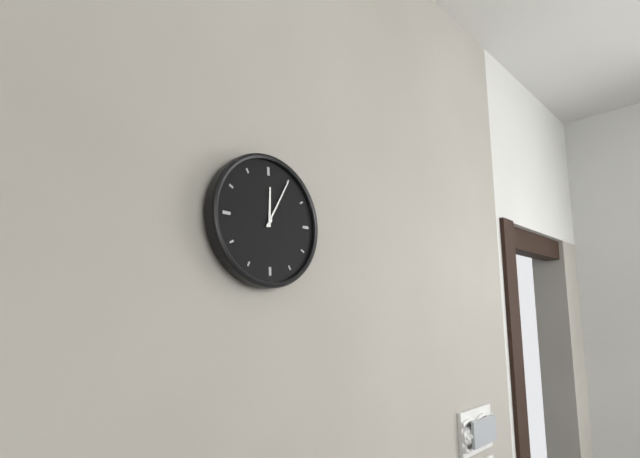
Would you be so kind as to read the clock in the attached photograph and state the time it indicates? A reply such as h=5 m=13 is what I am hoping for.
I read h=12 m=5
